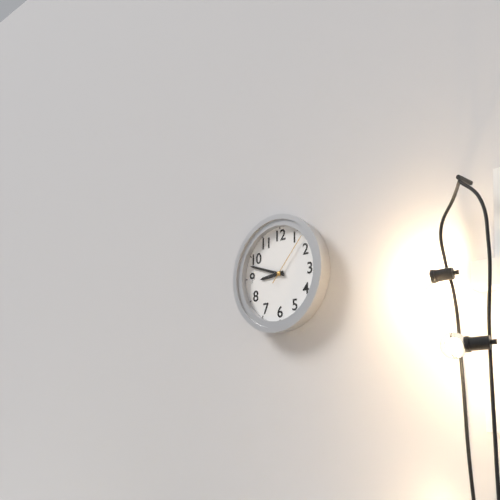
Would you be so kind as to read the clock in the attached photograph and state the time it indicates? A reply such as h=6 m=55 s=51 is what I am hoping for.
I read h=8 m=48 s=7
